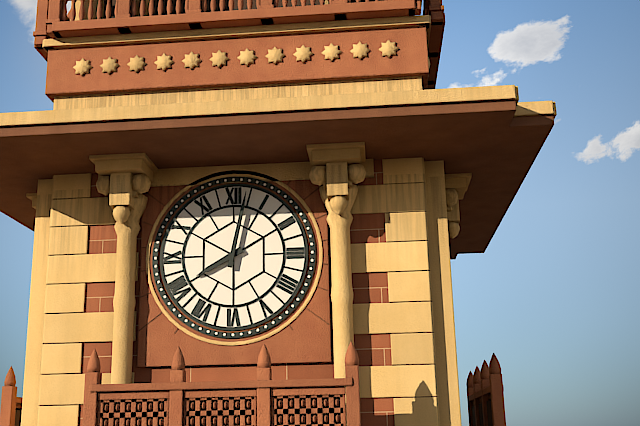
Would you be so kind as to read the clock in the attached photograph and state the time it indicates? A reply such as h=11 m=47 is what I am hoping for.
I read h=8 m=2
